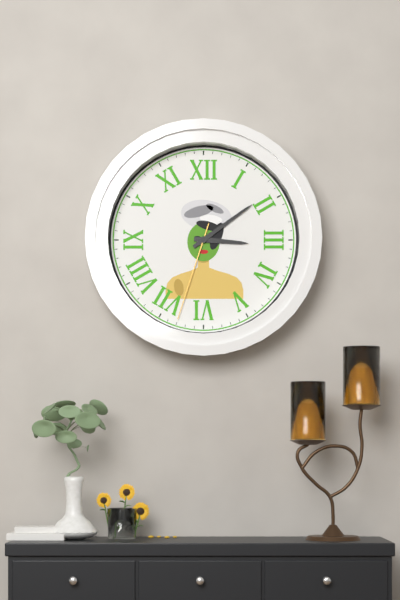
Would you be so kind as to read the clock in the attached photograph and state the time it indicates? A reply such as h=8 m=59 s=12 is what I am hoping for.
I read h=3 m=9 s=33
